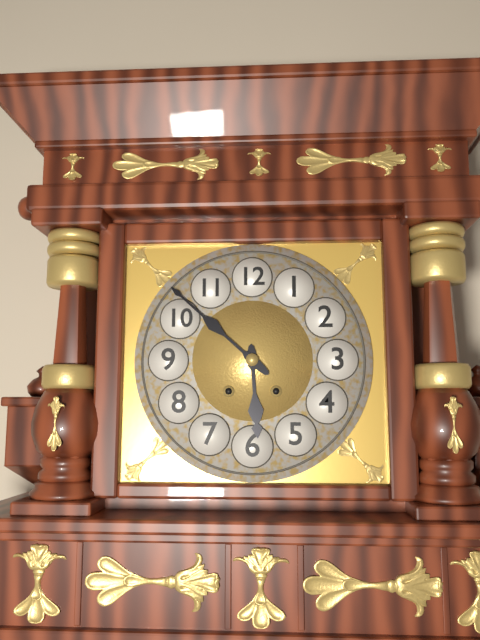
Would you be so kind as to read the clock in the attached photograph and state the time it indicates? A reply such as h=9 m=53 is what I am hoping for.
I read h=5 m=52
